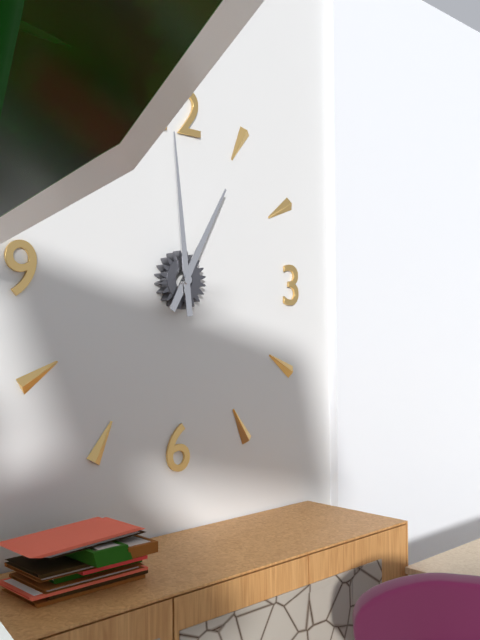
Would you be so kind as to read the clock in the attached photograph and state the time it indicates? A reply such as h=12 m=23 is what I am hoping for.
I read h=12 m=59
